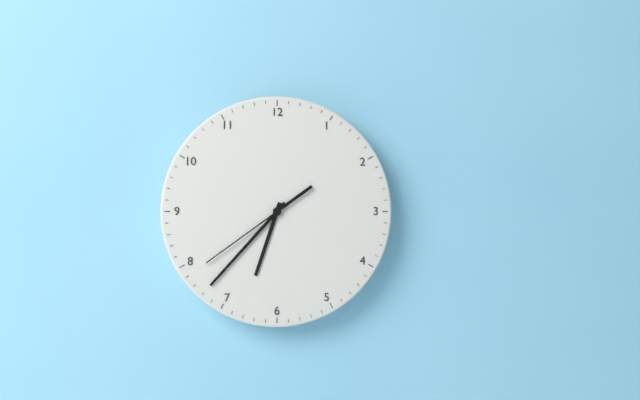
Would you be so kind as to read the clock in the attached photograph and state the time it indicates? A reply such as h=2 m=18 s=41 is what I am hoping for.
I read h=6 m=37 s=39
